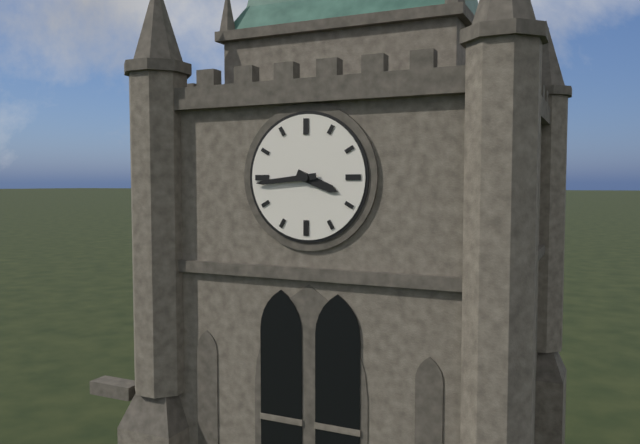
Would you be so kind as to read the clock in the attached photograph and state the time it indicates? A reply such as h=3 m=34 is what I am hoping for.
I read h=3 m=44
